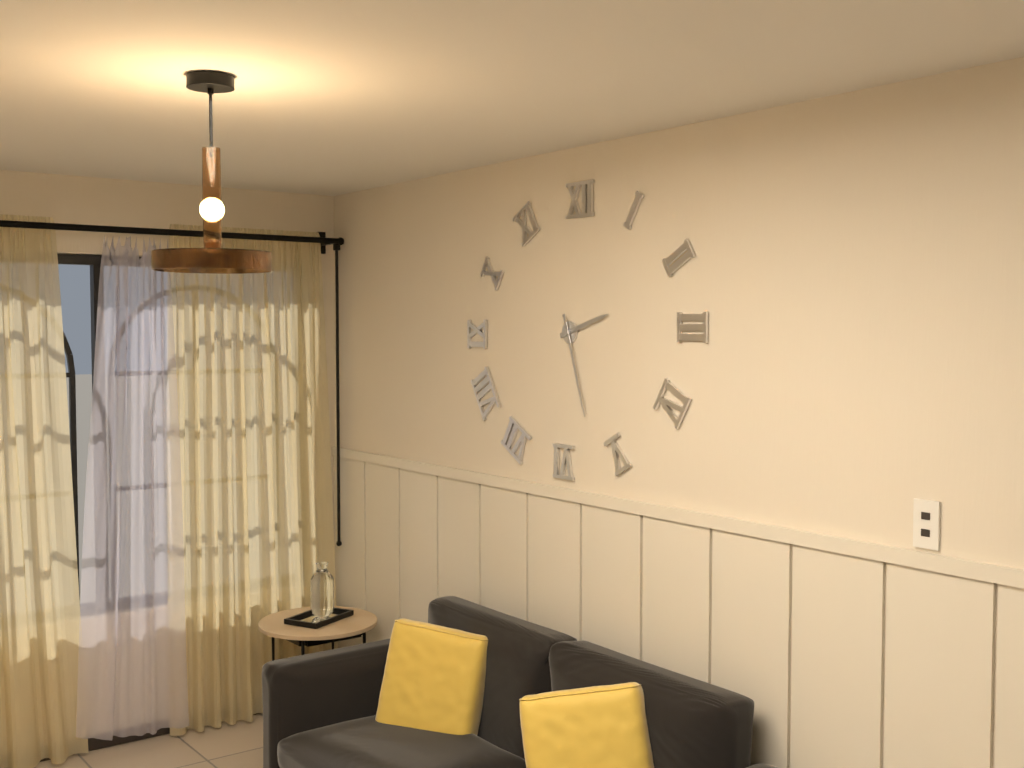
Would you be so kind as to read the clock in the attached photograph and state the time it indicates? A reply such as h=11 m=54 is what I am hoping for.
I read h=2 m=27
